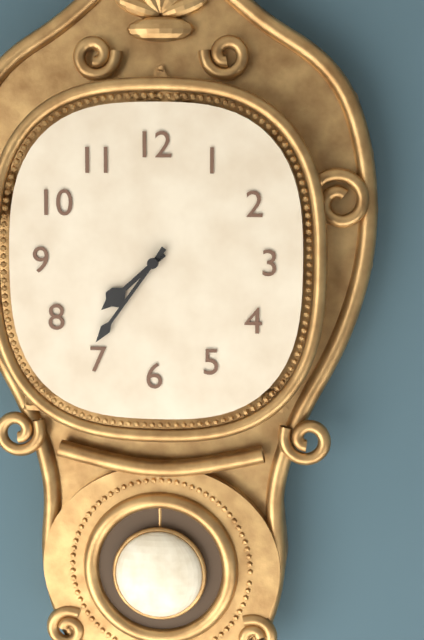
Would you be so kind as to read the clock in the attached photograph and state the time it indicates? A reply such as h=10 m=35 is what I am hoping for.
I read h=7 m=36
